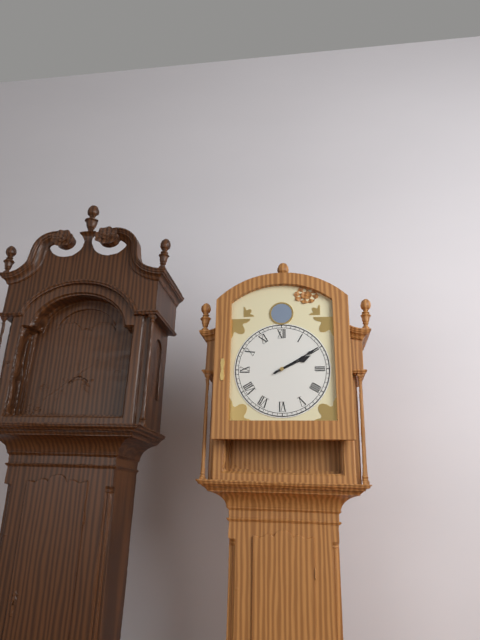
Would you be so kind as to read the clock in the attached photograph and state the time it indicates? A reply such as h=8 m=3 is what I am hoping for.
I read h=2 m=10
